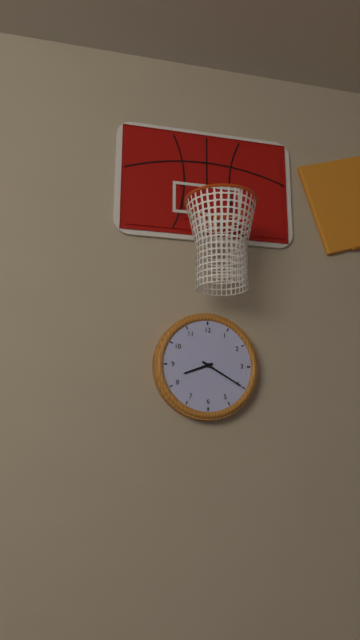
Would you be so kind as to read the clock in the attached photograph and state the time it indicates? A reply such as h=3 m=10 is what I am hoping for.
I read h=8 m=20
